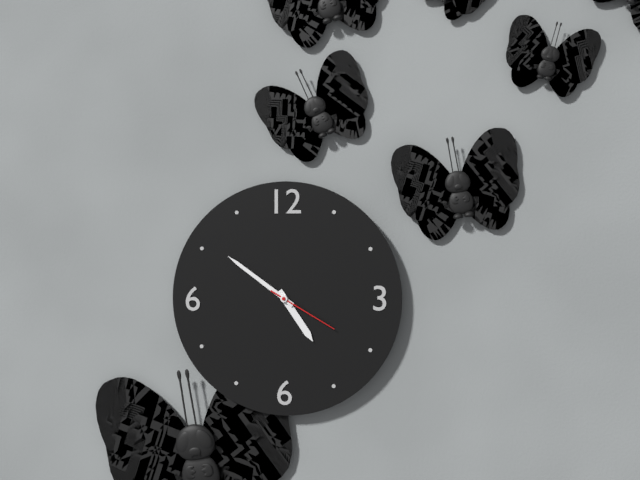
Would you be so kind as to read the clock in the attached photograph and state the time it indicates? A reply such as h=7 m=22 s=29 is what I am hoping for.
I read h=4 m=51 s=20
